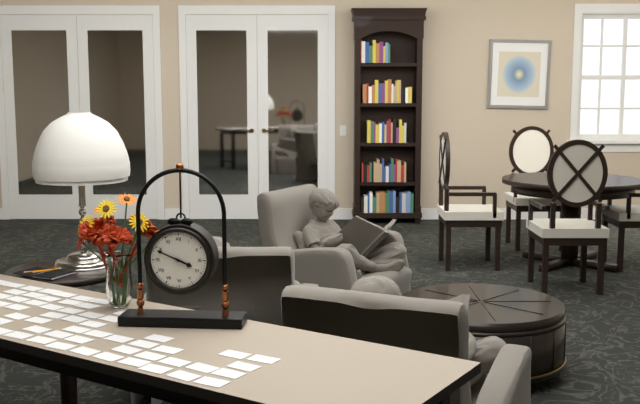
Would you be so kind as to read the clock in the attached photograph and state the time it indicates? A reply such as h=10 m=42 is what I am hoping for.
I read h=3 m=49
